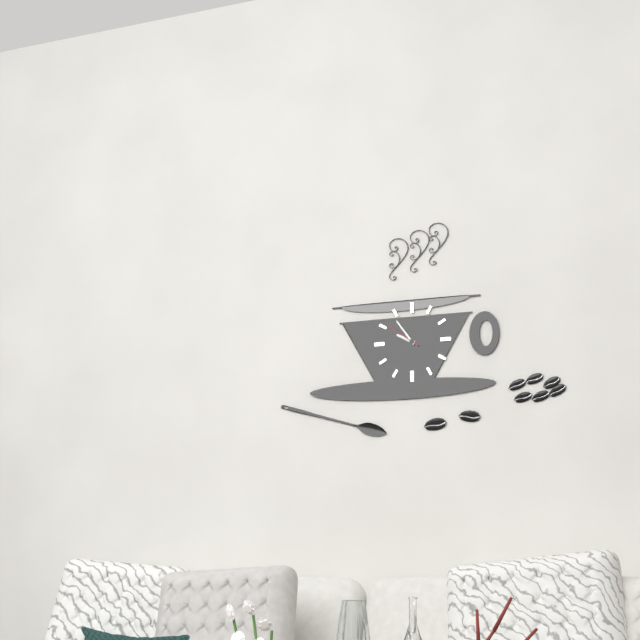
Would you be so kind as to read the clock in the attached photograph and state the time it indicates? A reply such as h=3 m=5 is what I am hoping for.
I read h=9 m=54
